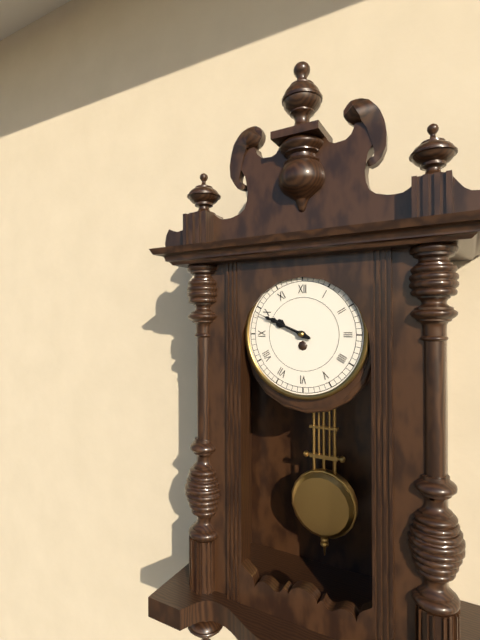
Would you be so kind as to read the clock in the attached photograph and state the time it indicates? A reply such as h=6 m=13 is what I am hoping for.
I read h=9 m=49
